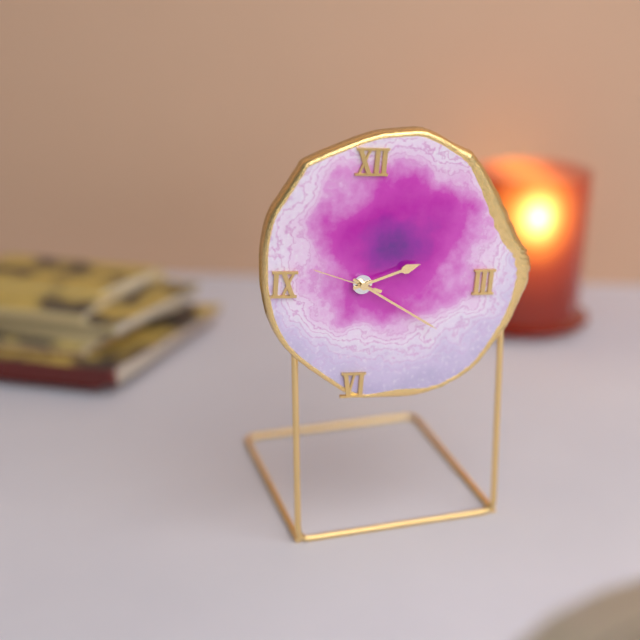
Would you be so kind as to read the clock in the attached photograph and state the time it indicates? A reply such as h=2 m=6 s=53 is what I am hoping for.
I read h=2 m=20 s=48
